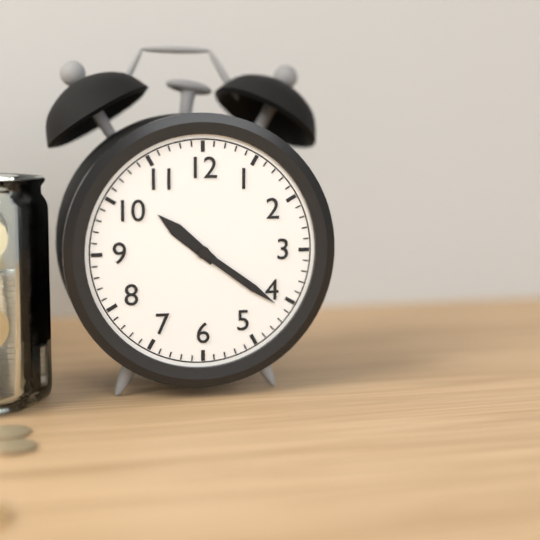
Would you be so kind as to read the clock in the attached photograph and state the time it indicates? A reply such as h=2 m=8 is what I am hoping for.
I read h=10 m=21
